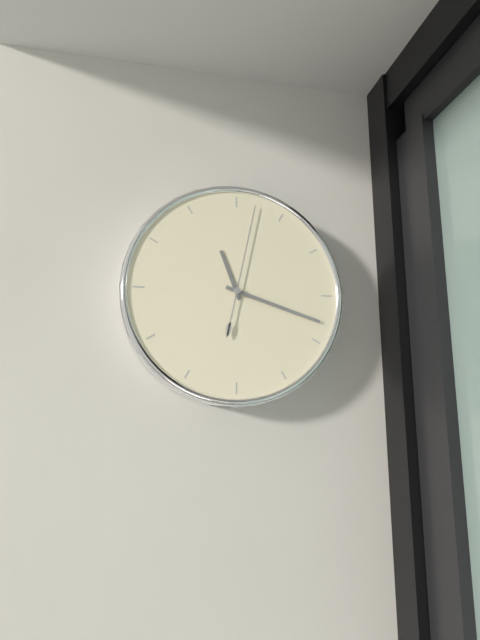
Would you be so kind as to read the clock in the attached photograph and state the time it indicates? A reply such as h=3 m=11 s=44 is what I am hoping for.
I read h=11 m=18 s=2
